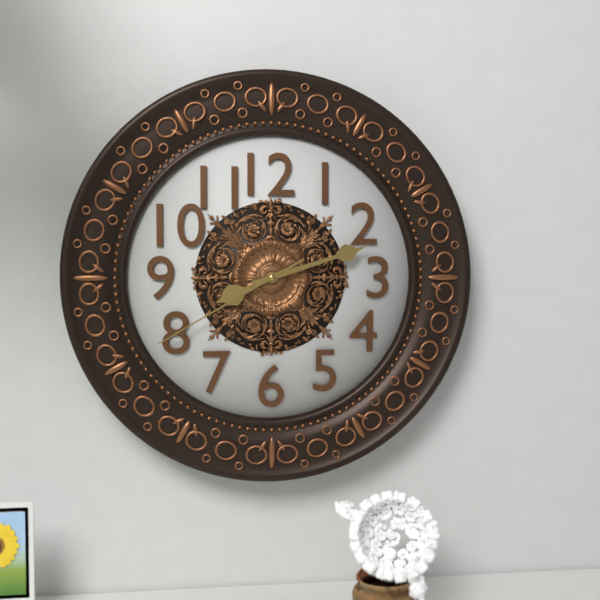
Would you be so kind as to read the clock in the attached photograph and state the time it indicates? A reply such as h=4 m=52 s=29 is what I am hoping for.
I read h=8 m=12 s=40
